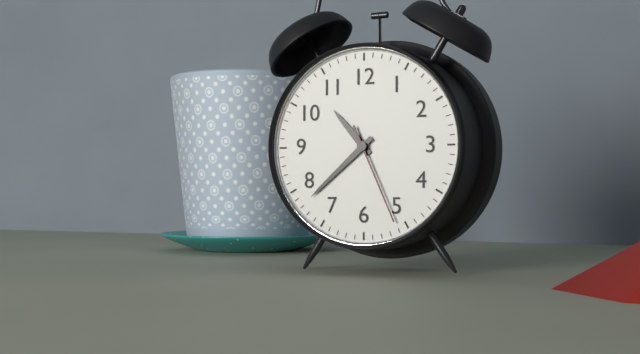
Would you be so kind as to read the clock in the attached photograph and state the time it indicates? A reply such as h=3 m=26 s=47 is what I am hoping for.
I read h=10 m=38 s=26
